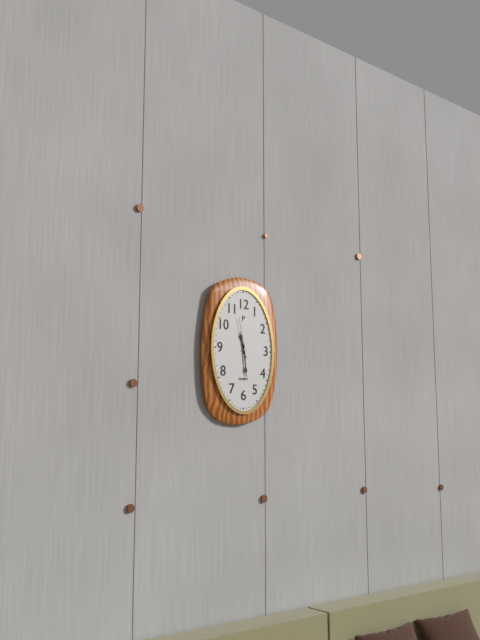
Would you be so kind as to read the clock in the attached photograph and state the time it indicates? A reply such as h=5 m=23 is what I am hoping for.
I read h=11 m=29
